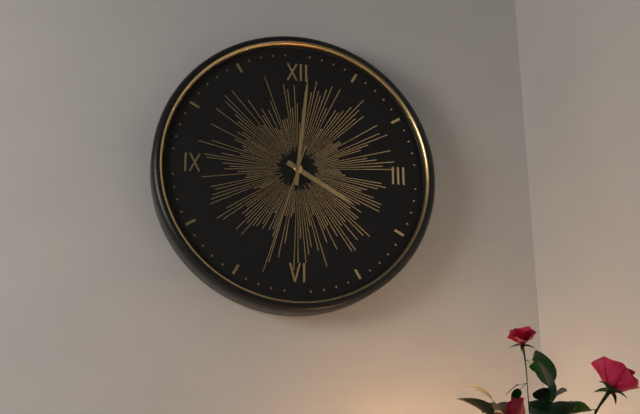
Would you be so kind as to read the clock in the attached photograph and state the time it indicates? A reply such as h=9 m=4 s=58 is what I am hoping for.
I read h=4 m=1 s=33
